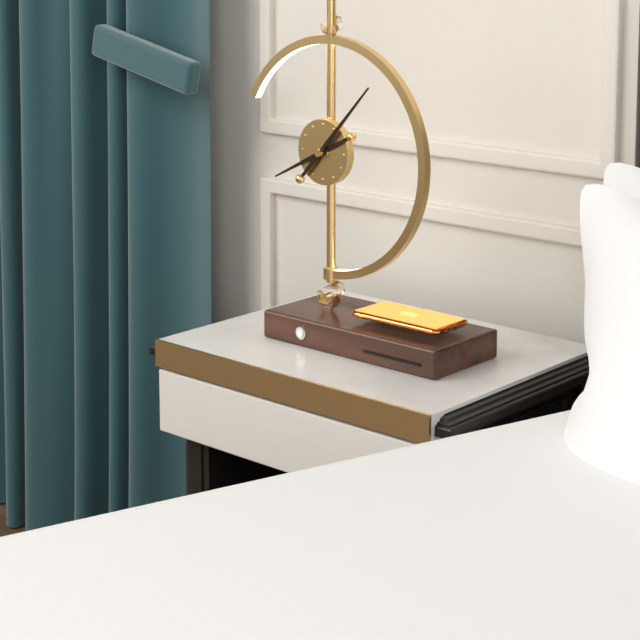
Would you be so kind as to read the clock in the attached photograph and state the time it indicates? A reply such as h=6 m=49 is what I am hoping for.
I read h=8 m=7
